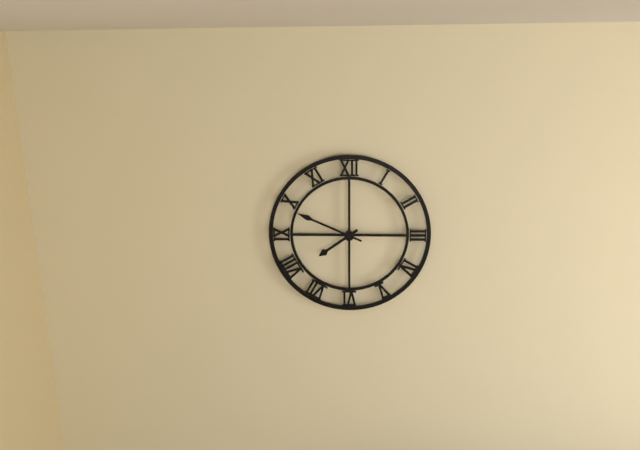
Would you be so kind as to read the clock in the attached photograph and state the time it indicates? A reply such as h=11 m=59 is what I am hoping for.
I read h=7 m=49
